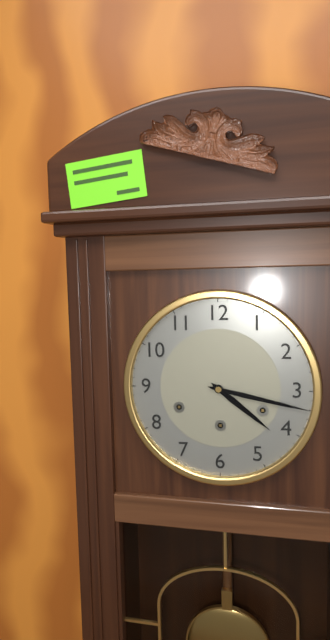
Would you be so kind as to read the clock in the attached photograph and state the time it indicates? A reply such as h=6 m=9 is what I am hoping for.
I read h=4 m=17
